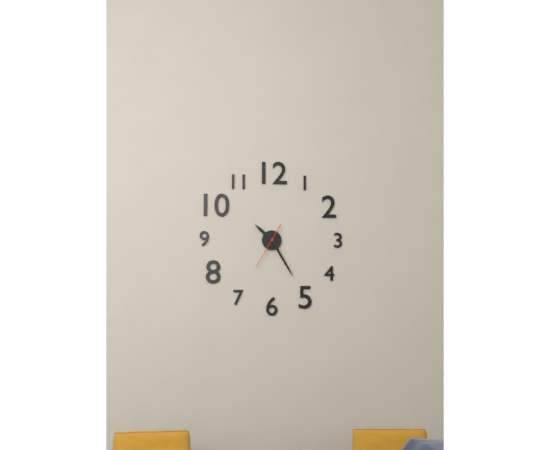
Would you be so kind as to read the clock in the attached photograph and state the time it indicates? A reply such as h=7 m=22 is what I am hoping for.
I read h=10 m=25
